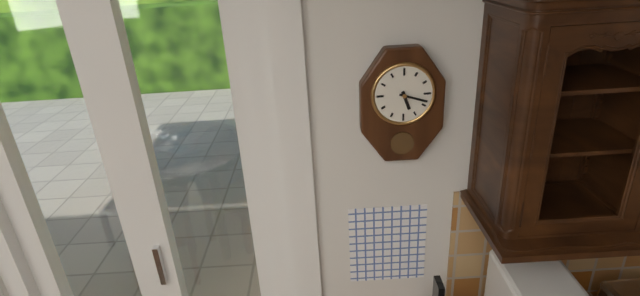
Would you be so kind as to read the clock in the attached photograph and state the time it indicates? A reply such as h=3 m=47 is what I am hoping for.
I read h=5 m=18
